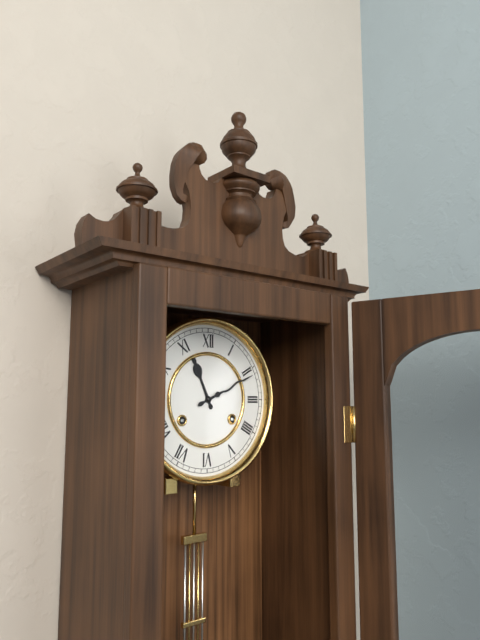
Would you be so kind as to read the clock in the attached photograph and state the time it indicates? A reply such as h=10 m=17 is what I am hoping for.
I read h=11 m=11
